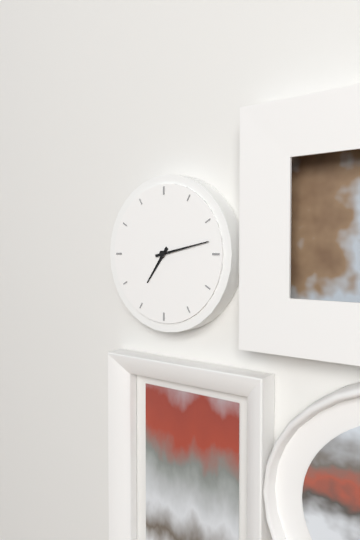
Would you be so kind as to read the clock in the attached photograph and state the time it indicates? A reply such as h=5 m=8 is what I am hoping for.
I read h=7 m=13
